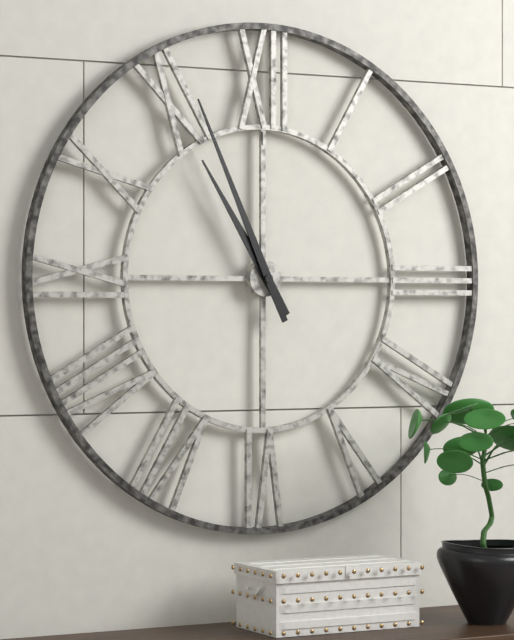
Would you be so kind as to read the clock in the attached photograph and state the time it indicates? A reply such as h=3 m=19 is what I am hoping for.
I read h=10 m=56
